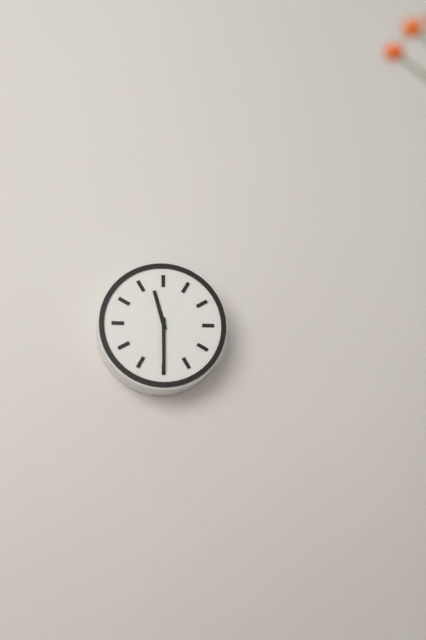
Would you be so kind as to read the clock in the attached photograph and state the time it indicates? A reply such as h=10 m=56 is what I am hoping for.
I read h=11 m=30
